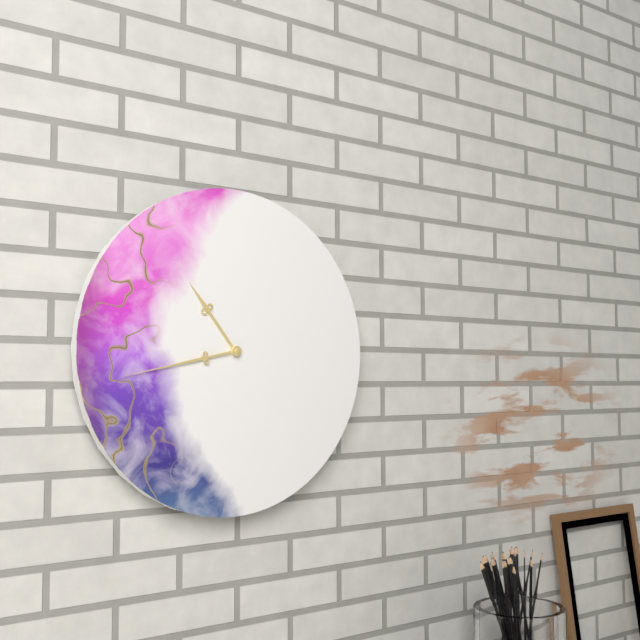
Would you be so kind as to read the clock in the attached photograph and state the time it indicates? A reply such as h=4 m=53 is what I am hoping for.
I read h=10 m=43
